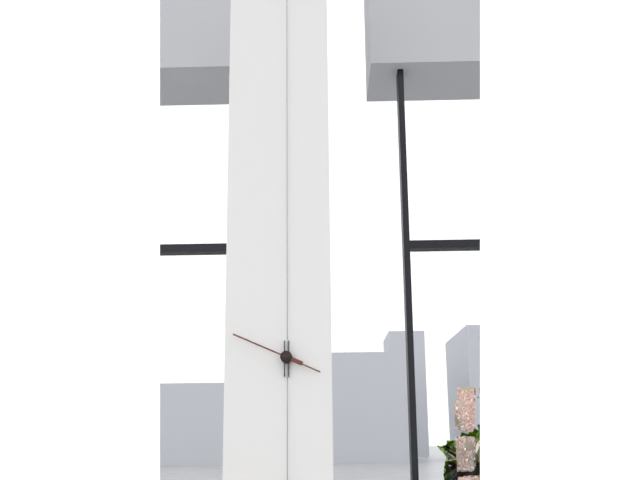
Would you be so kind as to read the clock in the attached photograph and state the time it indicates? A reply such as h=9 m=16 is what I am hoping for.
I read h=3 m=49
